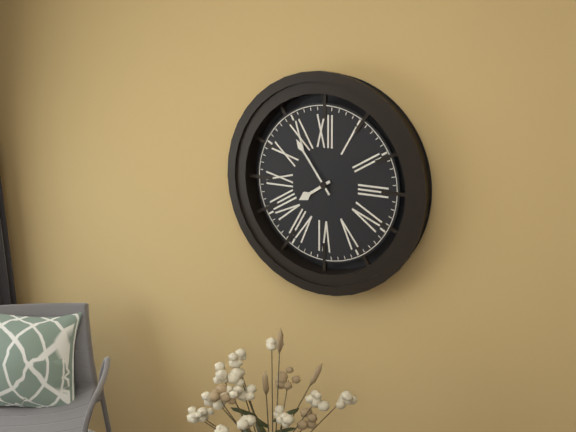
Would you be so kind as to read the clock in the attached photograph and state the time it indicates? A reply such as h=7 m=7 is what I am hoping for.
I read h=7 m=54
